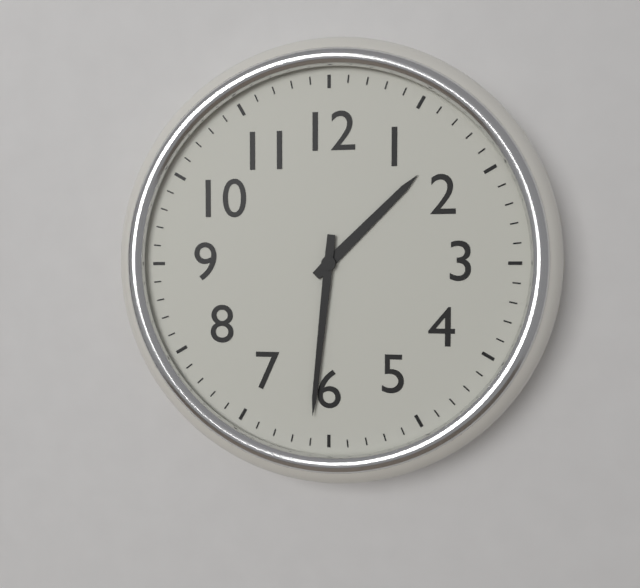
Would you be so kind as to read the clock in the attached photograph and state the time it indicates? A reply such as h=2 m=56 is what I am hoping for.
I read h=1 m=31
